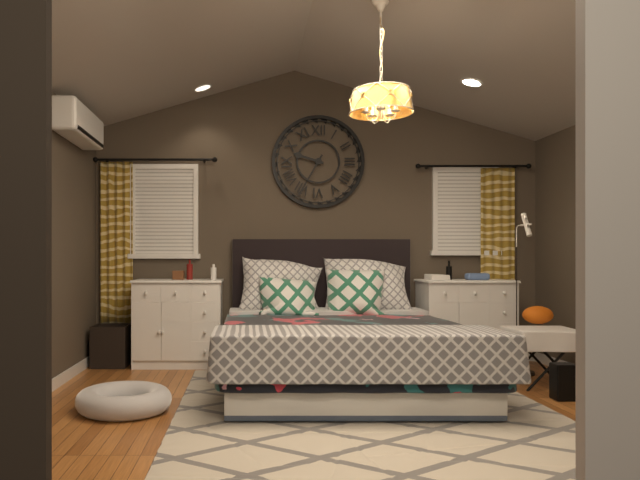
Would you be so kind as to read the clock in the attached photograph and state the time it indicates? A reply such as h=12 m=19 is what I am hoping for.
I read h=9 m=35
